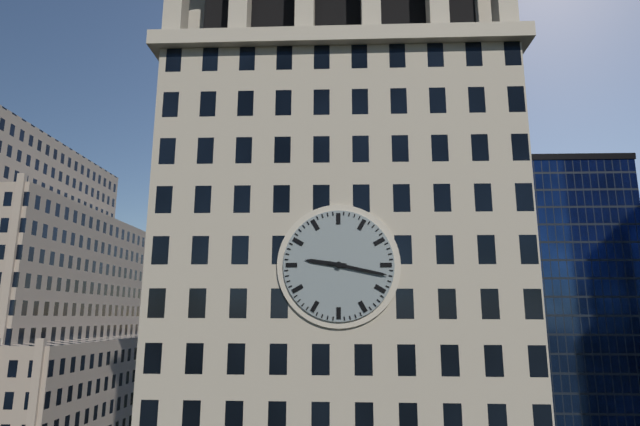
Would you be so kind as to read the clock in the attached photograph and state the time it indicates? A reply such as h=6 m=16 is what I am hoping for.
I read h=9 m=17
